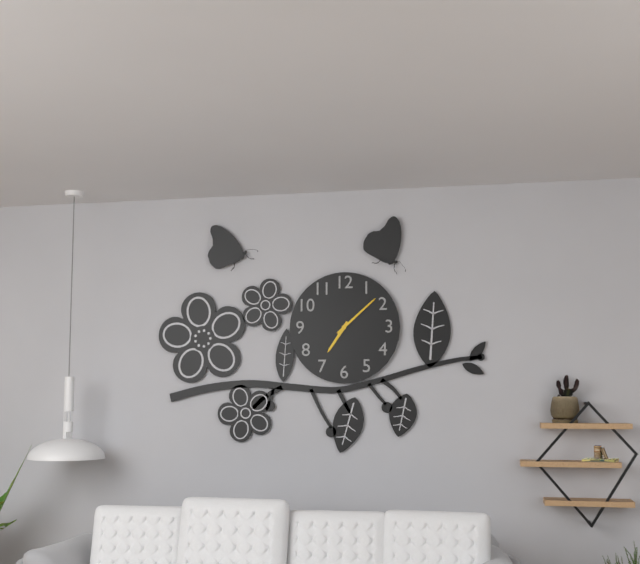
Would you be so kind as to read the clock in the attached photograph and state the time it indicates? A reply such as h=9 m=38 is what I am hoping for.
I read h=7 m=8
